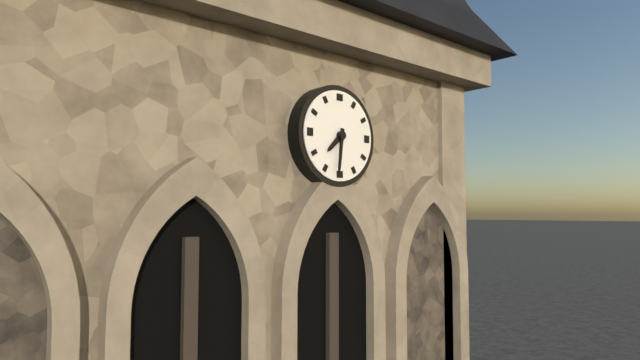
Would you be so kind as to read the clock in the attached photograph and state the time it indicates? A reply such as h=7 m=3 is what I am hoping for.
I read h=7 m=31
